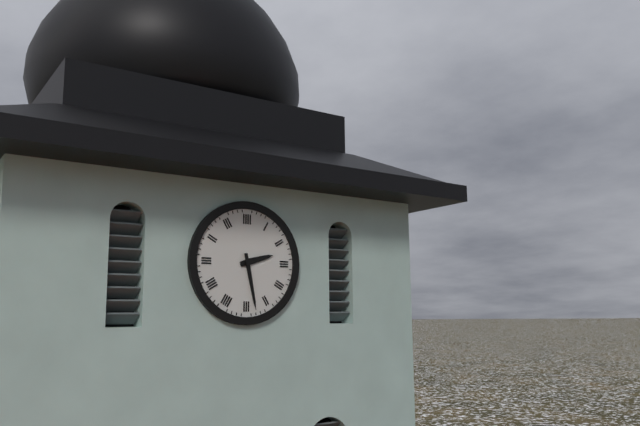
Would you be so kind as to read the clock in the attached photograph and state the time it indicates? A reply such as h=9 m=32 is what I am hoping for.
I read h=2 m=28
